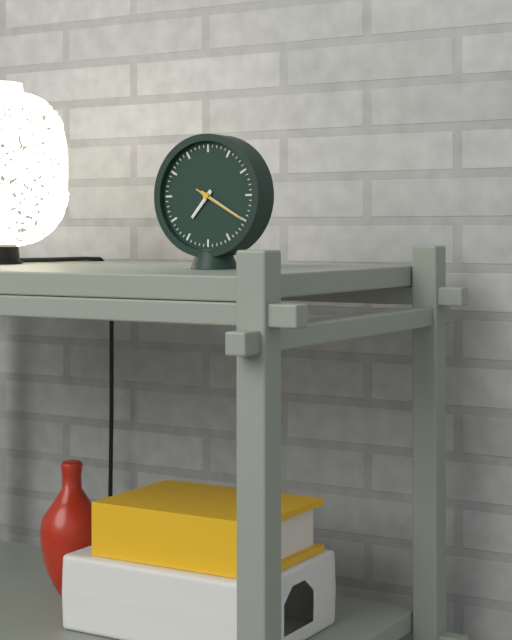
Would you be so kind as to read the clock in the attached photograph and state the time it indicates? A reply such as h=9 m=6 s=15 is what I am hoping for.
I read h=7 m=20 s=20
